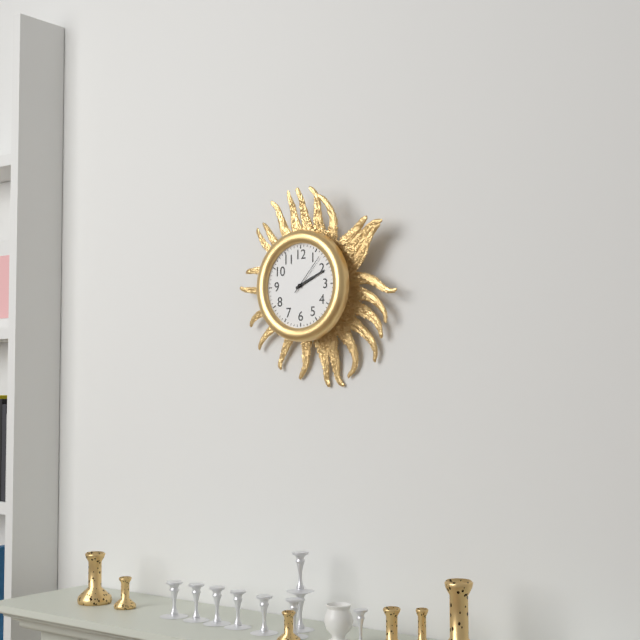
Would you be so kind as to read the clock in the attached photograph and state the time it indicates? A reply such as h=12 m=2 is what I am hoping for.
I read h=2 m=11
